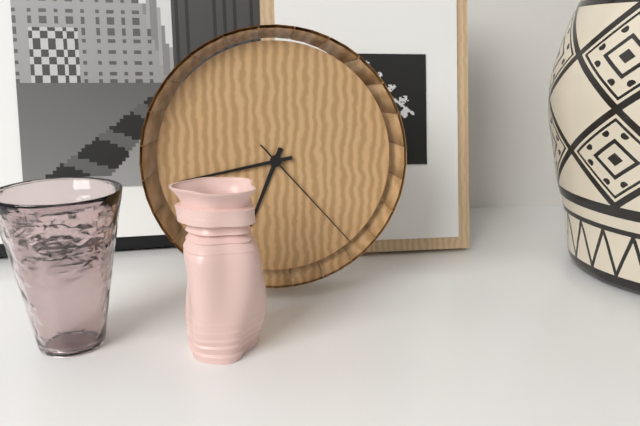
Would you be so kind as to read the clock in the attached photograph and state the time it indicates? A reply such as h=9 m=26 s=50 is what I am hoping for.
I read h=6 m=43 s=23
